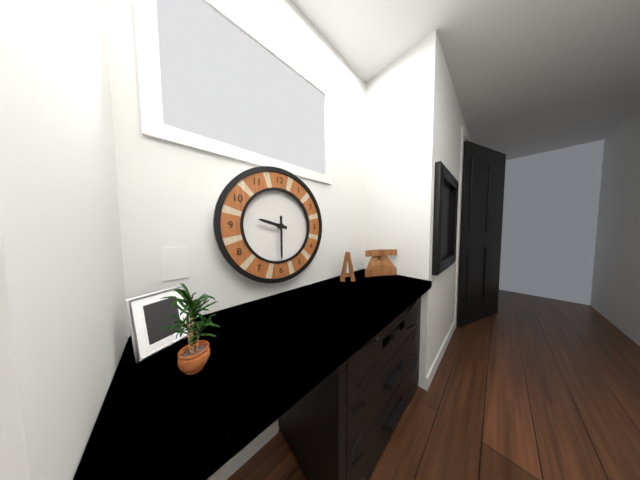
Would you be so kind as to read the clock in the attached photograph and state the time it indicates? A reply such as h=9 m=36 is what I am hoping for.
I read h=9 m=30
